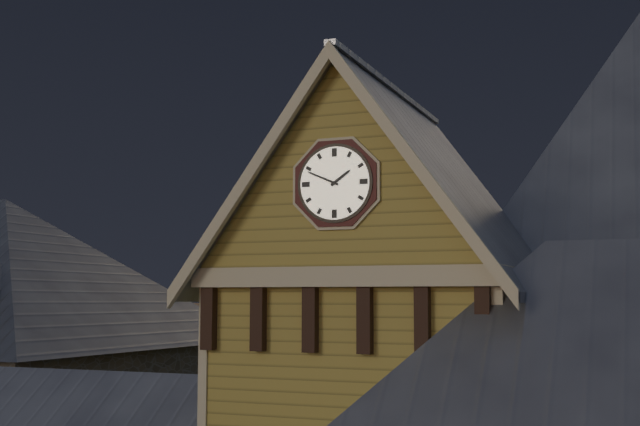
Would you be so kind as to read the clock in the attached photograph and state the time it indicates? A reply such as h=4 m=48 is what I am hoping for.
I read h=1 m=49
